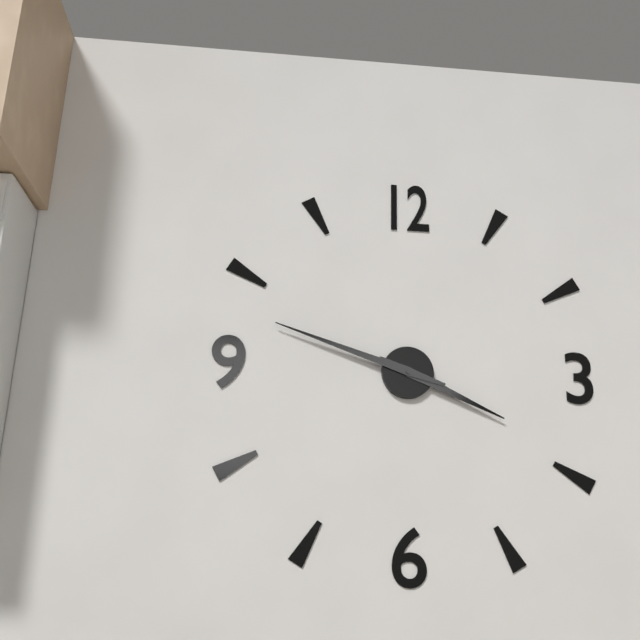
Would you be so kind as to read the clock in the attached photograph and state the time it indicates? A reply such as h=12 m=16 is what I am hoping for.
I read h=3 m=48
